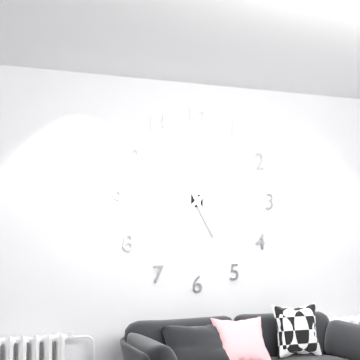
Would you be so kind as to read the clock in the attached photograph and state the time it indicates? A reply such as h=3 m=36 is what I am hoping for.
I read h=5 m=8
